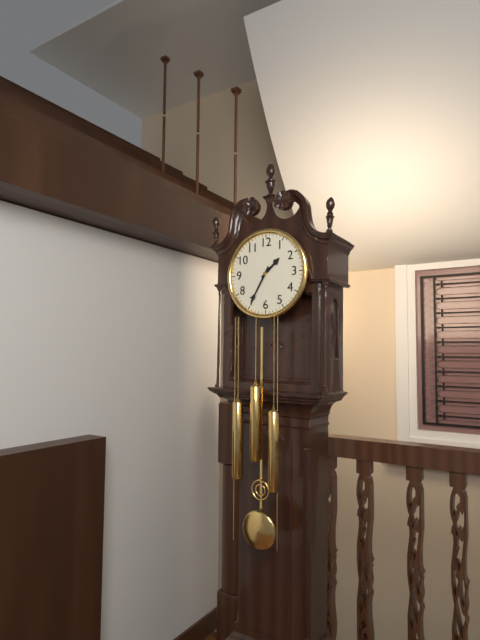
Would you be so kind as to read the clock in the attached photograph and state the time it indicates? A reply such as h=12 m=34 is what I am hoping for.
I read h=1 m=35
